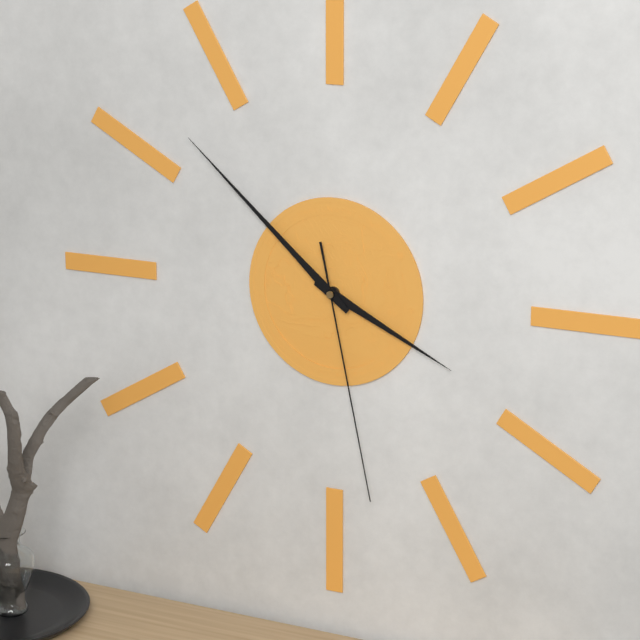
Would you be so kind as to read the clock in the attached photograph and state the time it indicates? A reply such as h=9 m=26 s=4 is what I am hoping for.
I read h=3 m=52 s=28
